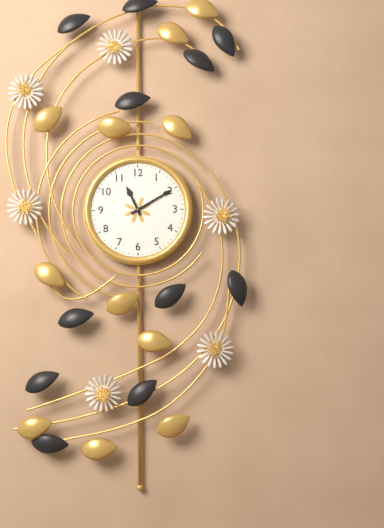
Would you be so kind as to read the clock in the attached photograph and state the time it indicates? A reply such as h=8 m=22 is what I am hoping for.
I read h=11 m=10
